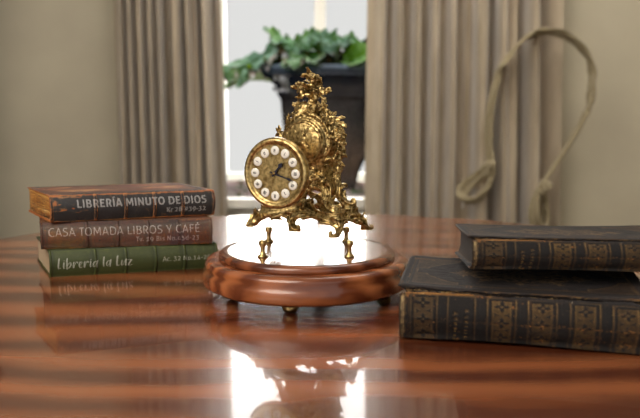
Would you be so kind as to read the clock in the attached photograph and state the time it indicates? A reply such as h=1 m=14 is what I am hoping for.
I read h=1 m=18
